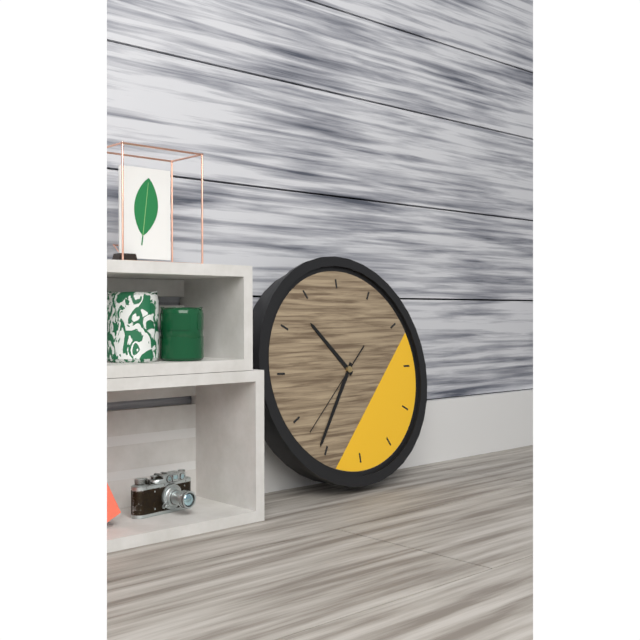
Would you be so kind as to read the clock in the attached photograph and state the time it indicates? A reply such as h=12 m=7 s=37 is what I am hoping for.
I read h=10 m=36 s=38
